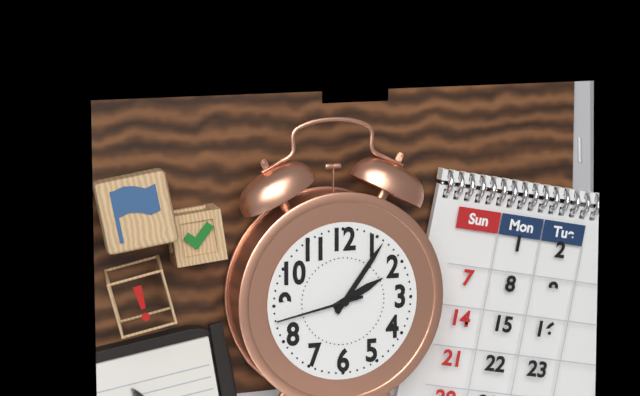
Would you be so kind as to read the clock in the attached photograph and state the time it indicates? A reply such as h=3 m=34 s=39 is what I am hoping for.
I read h=2 m=6 s=43
